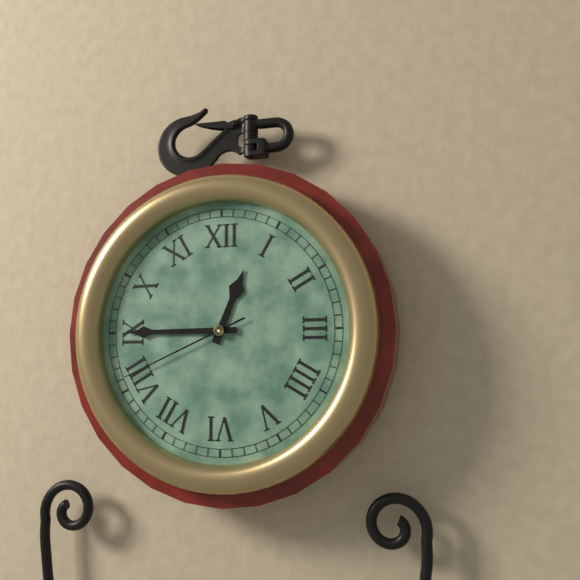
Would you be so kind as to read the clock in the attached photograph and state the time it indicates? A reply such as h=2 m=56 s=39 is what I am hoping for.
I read h=12 m=45 s=41
